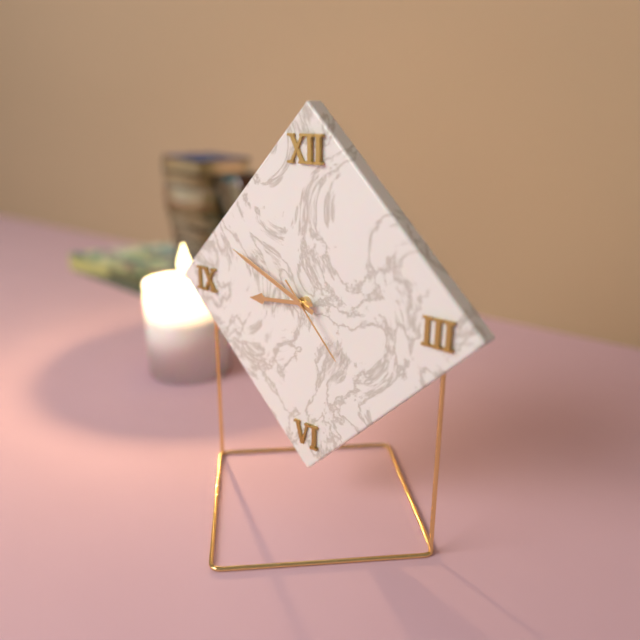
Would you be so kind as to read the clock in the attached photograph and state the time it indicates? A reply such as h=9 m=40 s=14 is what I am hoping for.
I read h=8 m=49 s=23
